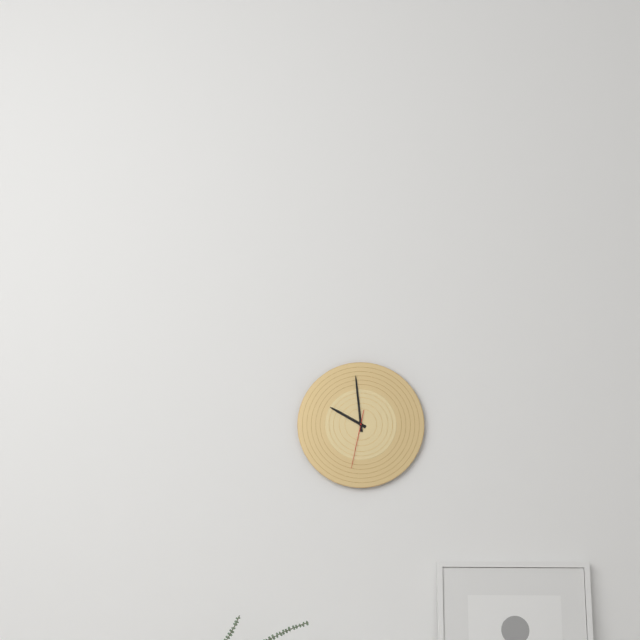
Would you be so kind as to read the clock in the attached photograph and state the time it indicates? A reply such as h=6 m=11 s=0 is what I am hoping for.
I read h=9 m=59 s=32
